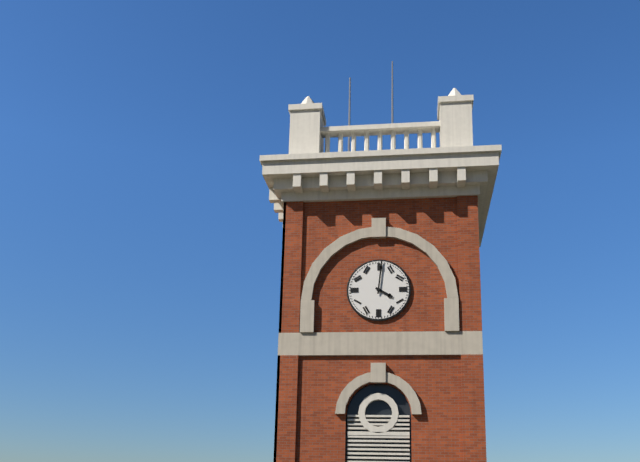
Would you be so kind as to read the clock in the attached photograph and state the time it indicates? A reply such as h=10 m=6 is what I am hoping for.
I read h=4 m=1
